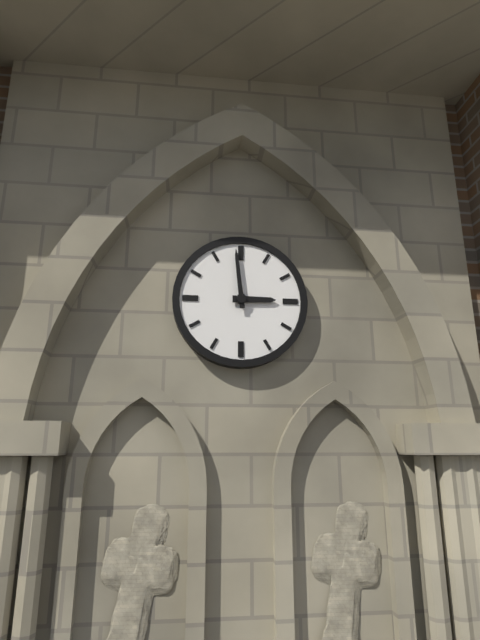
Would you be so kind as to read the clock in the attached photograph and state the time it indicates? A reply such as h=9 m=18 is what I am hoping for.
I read h=2 m=59
